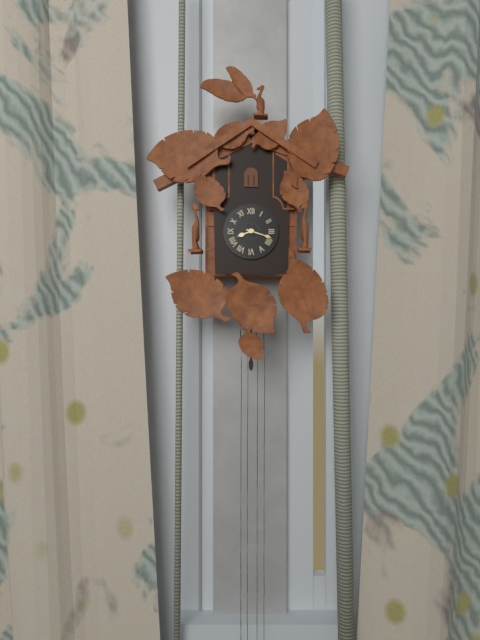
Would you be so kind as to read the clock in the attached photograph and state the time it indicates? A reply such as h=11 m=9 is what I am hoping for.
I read h=8 m=18
